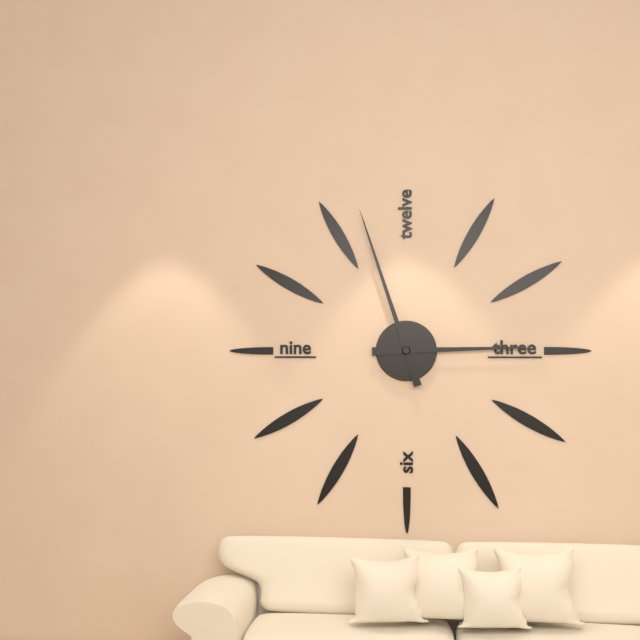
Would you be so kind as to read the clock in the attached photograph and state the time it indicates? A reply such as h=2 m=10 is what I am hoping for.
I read h=2 m=57
